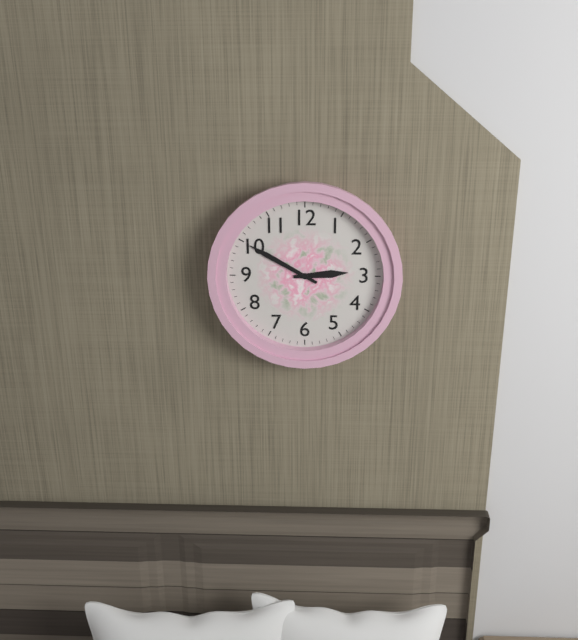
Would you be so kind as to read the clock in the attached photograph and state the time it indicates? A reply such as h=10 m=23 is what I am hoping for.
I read h=2 m=50
